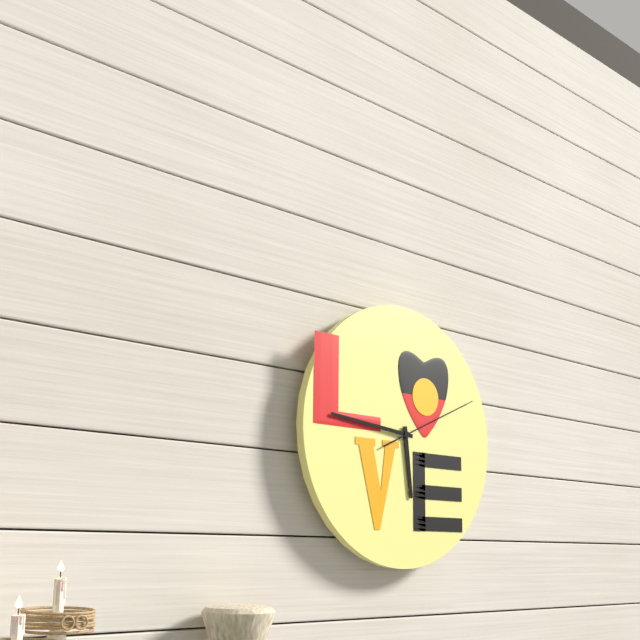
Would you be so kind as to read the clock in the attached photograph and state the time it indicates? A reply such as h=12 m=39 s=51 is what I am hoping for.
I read h=5 m=46 s=11
